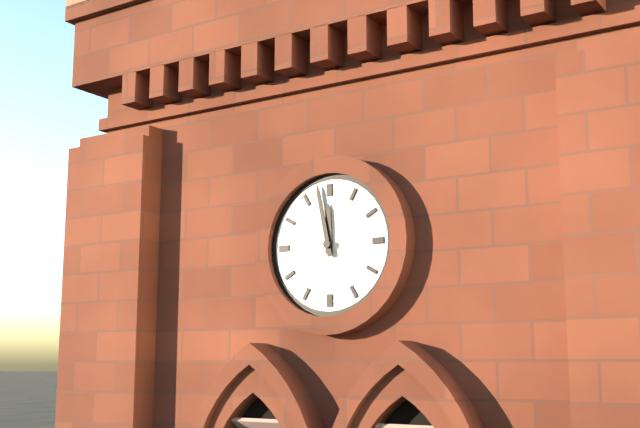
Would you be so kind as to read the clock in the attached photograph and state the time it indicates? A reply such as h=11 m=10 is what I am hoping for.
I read h=11 m=58
